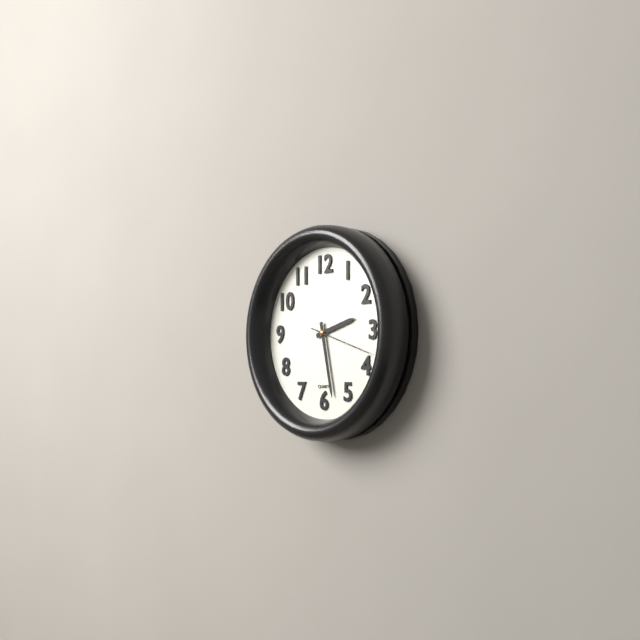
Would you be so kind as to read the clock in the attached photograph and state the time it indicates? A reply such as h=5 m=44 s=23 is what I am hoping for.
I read h=2 m=28 s=18
